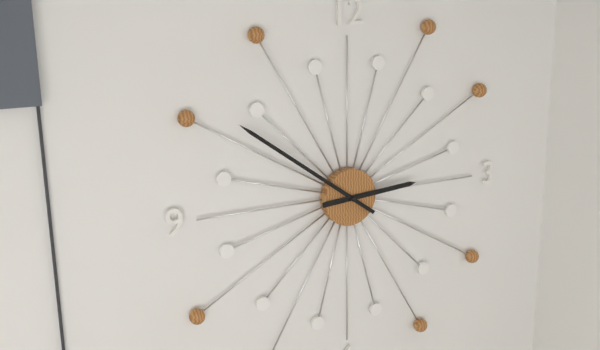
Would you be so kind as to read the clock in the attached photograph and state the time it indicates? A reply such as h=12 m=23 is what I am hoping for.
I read h=2 m=51
